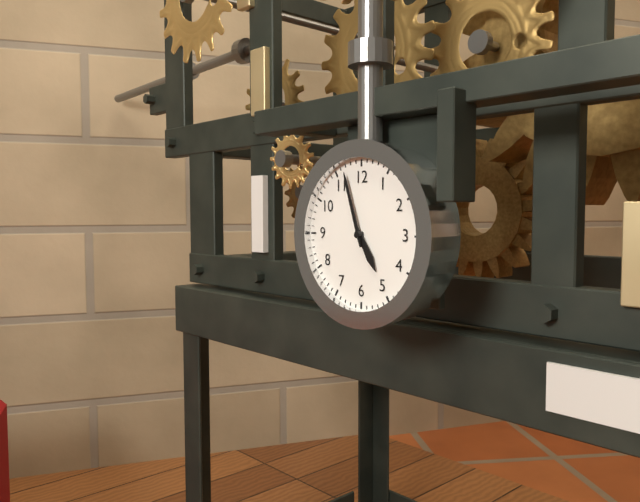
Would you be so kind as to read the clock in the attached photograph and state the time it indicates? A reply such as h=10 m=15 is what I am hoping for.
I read h=4 m=57
